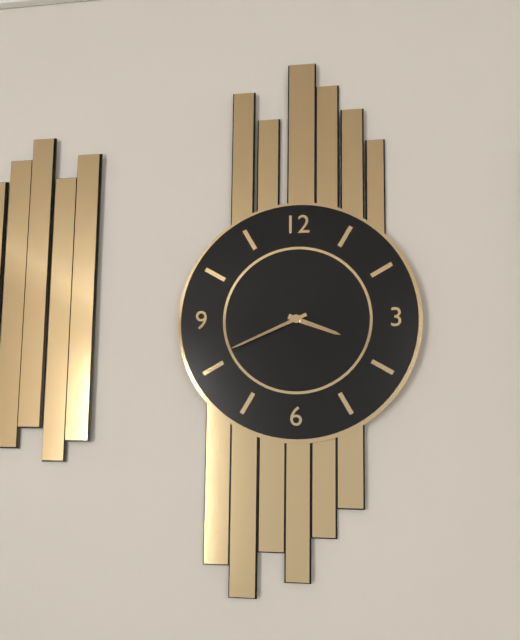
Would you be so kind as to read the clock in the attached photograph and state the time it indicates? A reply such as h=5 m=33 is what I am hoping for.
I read h=3 m=41
